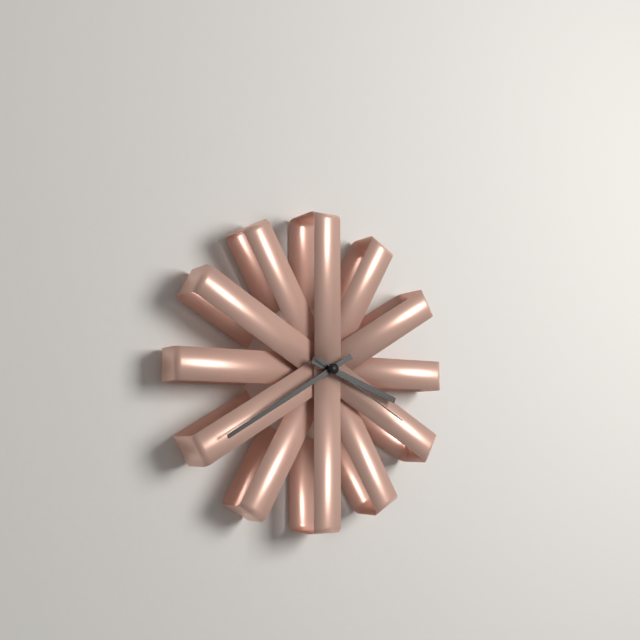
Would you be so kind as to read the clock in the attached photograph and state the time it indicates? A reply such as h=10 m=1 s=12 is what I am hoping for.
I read h=3 m=40 s=20
